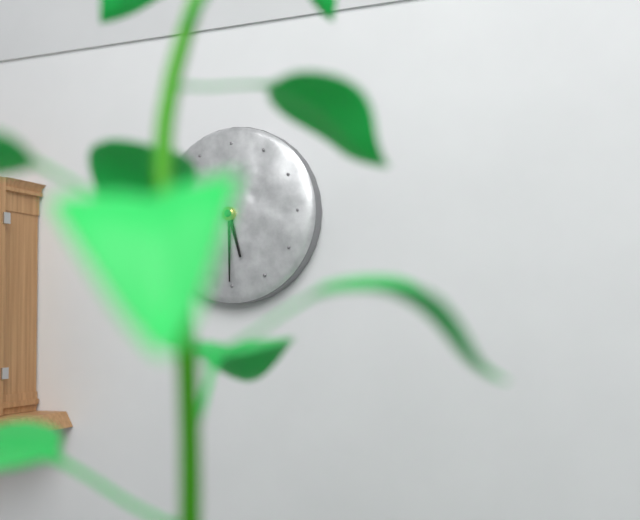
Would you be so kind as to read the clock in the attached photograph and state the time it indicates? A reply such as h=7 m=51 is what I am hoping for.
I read h=5 m=30
